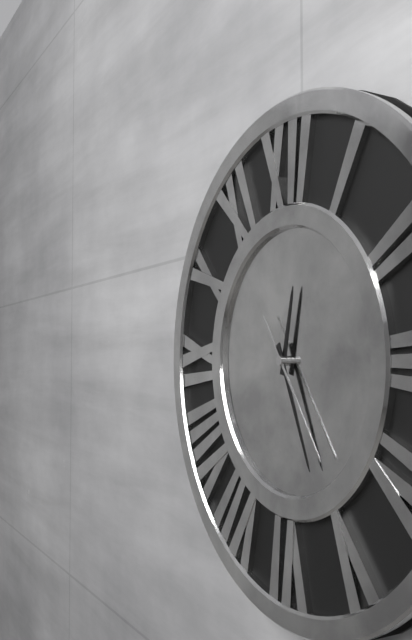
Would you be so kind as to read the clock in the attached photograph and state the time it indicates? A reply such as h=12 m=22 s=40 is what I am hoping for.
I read h=12 m=26 s=24
